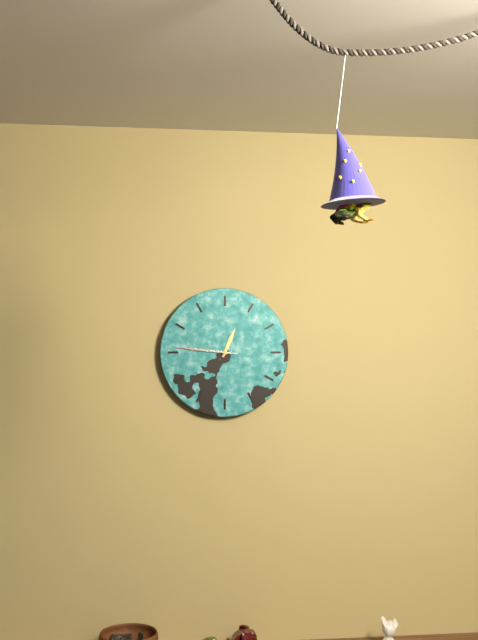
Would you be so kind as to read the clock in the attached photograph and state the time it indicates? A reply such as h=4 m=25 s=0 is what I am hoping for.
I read h=12 m=46 s=46
